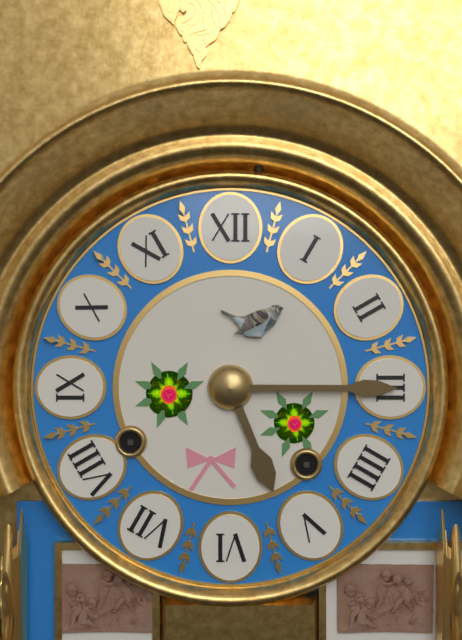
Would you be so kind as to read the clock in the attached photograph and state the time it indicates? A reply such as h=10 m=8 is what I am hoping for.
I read h=5 m=15
